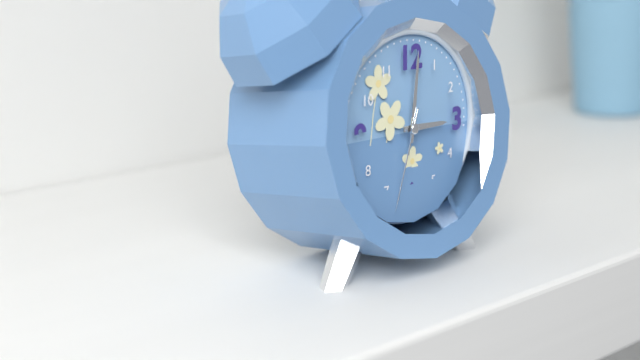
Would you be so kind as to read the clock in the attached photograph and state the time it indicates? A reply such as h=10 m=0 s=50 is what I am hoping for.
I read h=3 m=1 s=33
